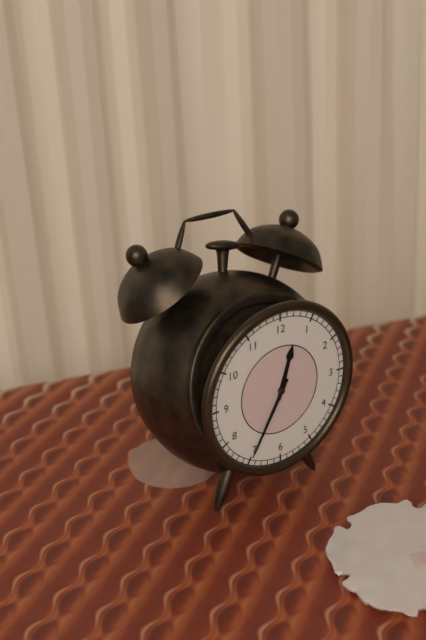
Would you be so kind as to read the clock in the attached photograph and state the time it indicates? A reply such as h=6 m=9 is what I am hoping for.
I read h=12 m=35
